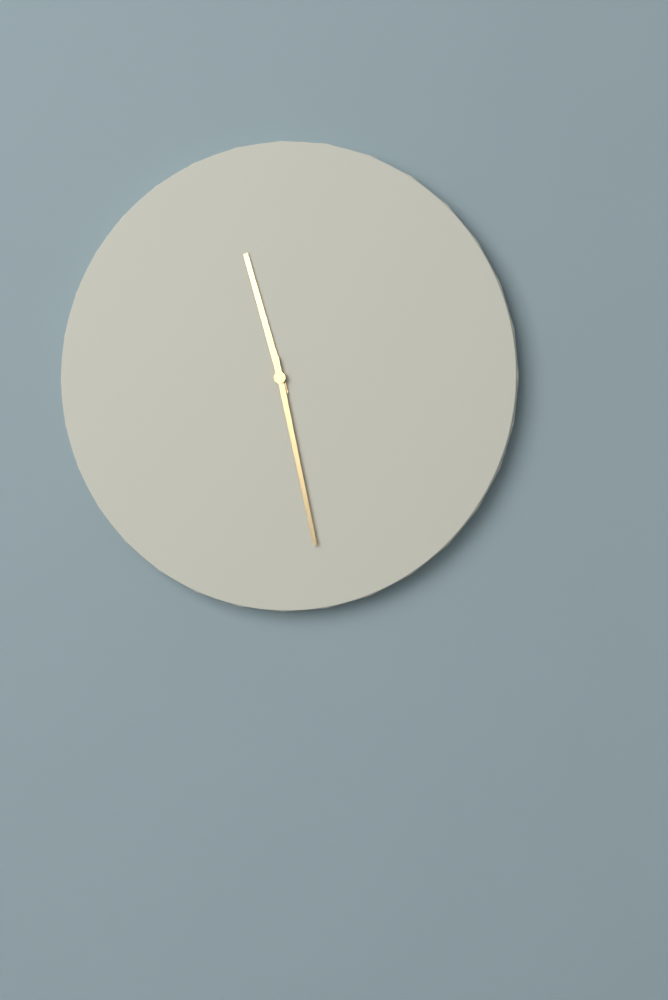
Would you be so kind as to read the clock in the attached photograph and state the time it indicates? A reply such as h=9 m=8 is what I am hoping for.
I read h=11 m=28
